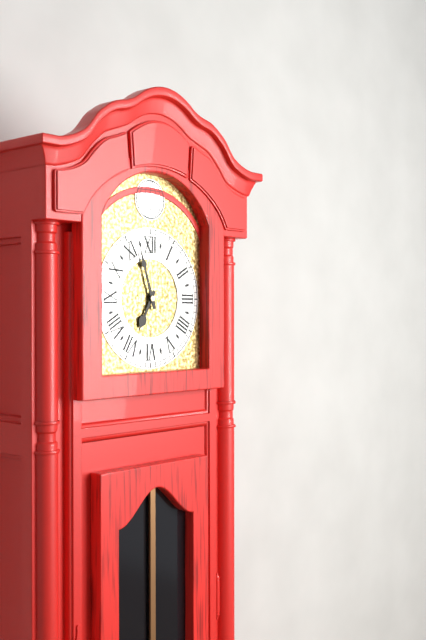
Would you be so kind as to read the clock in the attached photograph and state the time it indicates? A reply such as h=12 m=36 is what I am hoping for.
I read h=6 m=57
